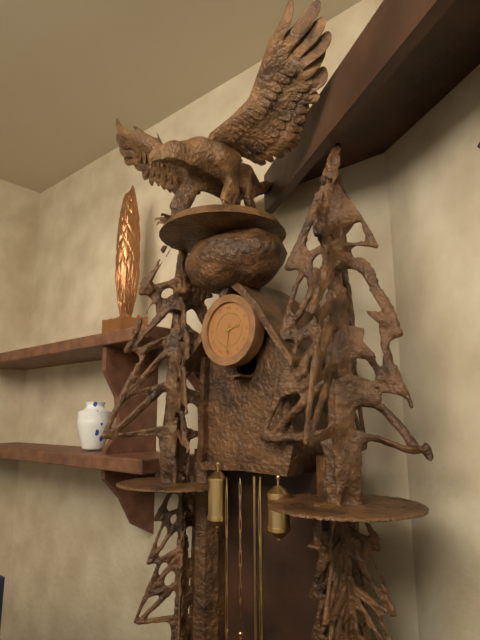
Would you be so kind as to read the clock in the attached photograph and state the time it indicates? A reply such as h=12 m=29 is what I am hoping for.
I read h=2 m=31
